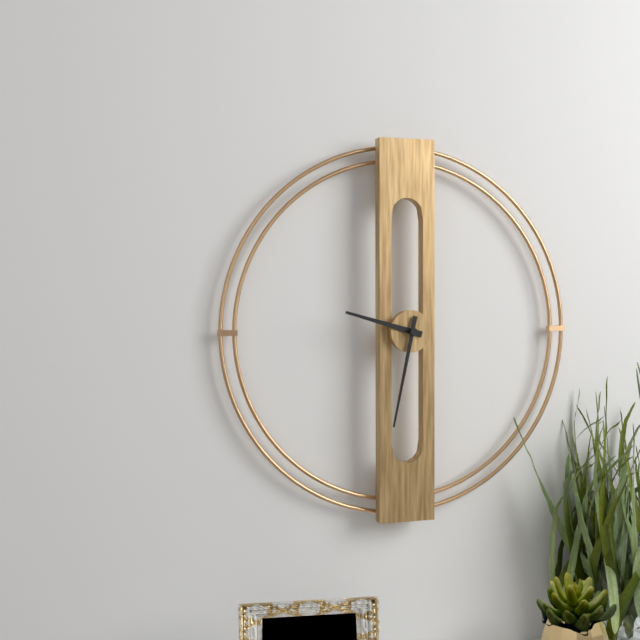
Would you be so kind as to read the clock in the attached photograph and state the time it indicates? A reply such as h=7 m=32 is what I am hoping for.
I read h=9 m=32
